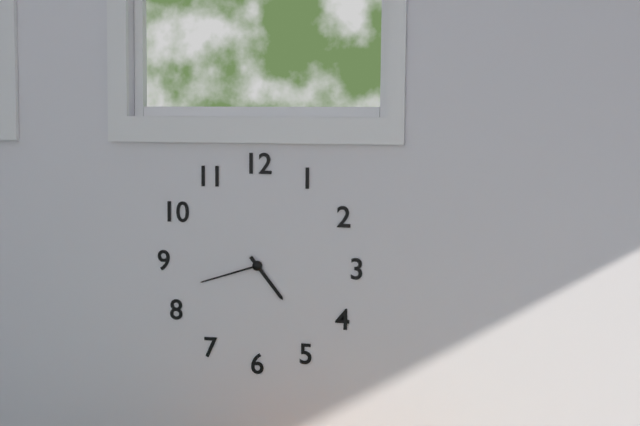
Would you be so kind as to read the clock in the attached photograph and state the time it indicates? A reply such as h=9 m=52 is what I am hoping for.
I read h=4 m=42
